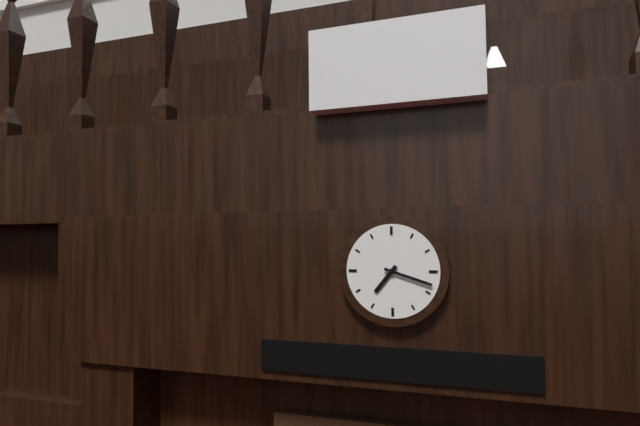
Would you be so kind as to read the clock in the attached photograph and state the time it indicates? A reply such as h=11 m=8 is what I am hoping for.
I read h=7 m=18
